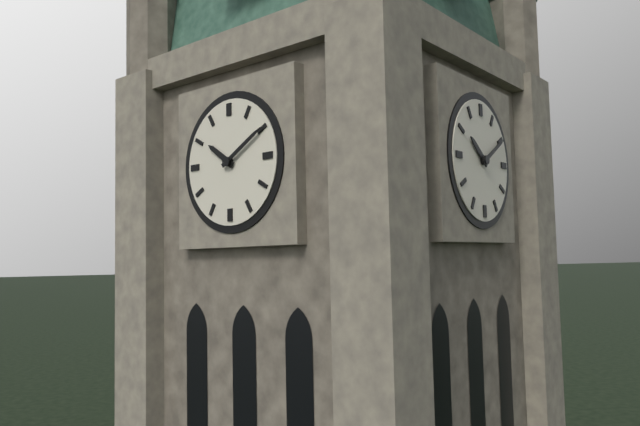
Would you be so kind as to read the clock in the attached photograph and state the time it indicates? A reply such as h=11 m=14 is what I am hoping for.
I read h=10 m=10
